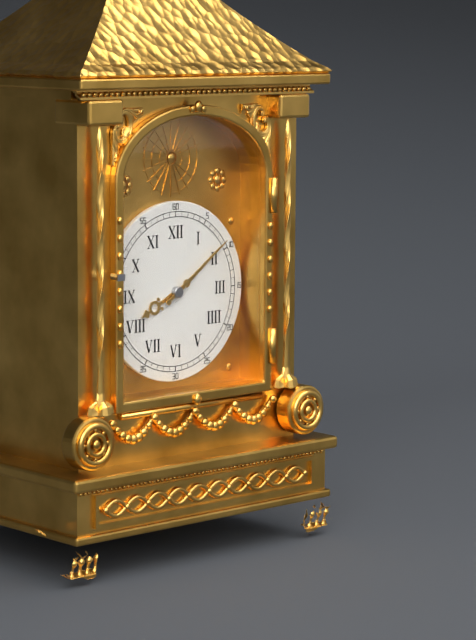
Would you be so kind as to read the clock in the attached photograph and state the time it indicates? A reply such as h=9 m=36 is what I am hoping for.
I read h=8 m=9
